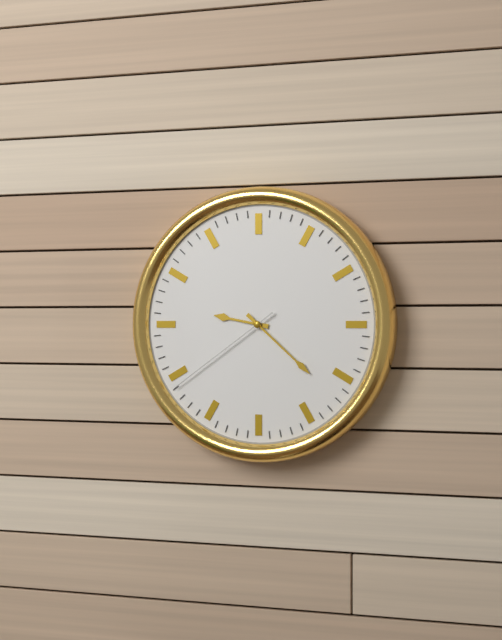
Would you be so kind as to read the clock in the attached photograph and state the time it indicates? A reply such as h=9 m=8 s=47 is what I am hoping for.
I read h=9 m=22 s=39
